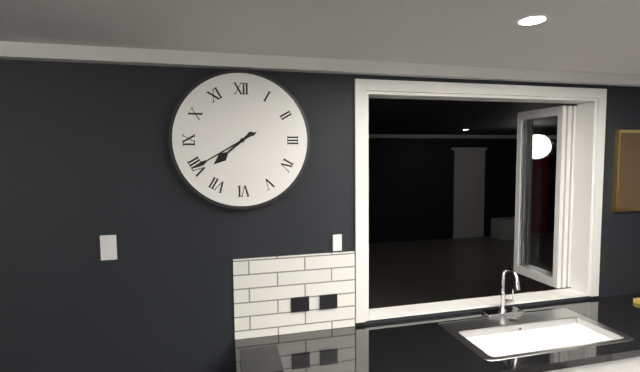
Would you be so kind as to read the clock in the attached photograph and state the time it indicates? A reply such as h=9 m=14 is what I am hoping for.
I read h=7 m=40
